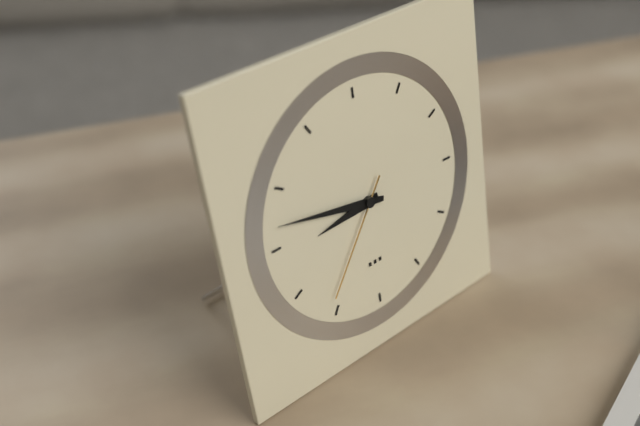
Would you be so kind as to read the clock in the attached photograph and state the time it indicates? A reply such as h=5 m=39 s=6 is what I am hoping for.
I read h=8 m=47 s=36
